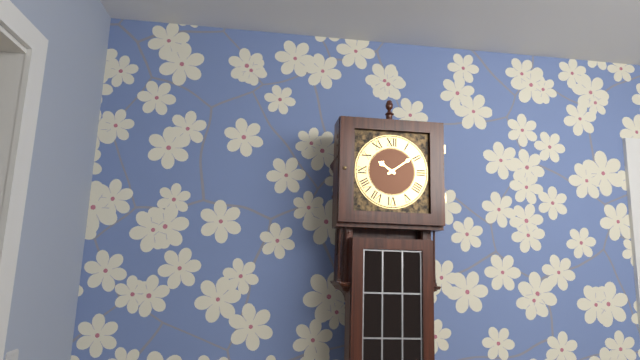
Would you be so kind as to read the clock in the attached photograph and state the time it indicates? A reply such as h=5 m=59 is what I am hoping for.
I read h=10 m=9
